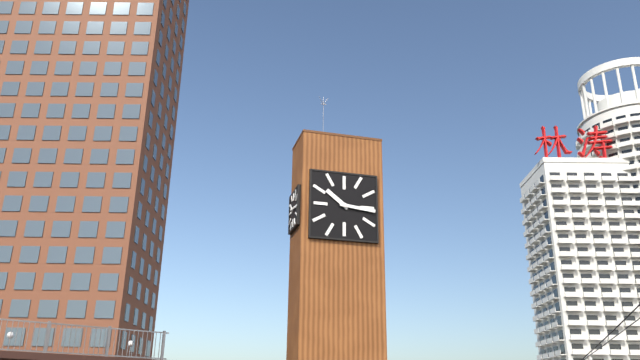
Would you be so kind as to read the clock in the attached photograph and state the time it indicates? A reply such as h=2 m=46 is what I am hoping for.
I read h=10 m=16
